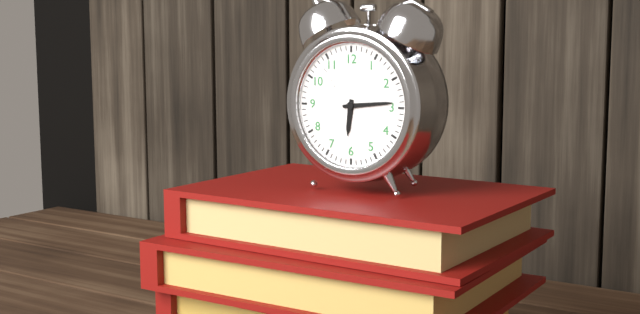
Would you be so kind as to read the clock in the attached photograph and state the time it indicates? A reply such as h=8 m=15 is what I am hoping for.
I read h=6 m=14
